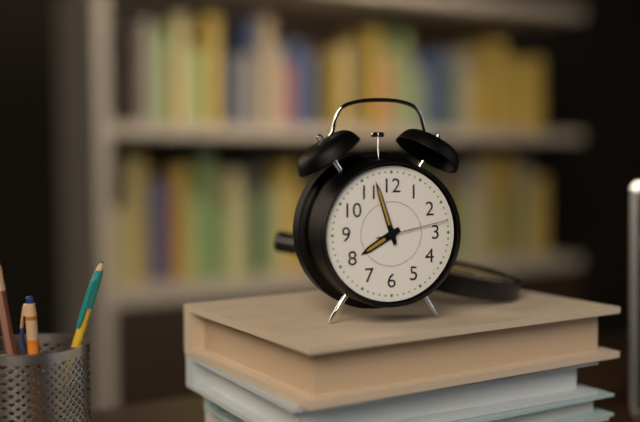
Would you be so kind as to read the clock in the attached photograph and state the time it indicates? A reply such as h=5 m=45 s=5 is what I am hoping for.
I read h=7 m=57 s=13
